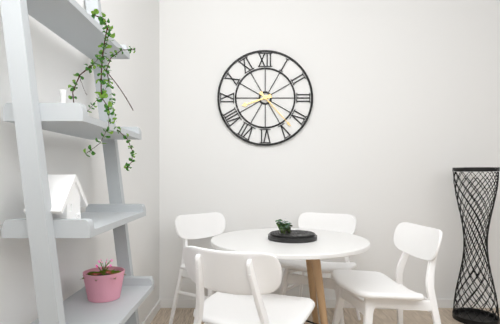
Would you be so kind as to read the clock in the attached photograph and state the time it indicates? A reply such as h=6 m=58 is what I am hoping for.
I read h=8 m=23
